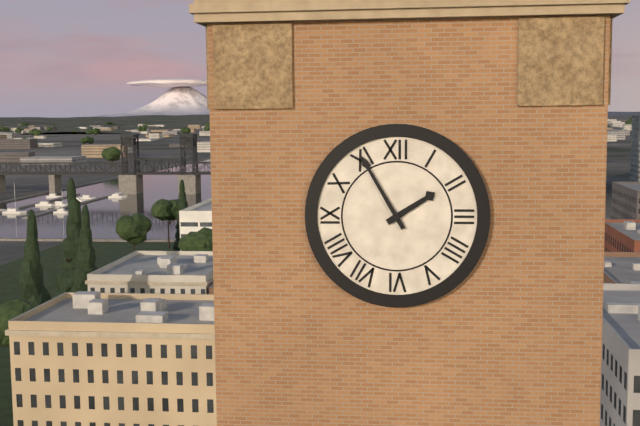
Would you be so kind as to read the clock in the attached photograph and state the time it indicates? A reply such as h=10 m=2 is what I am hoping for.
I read h=1 m=55
